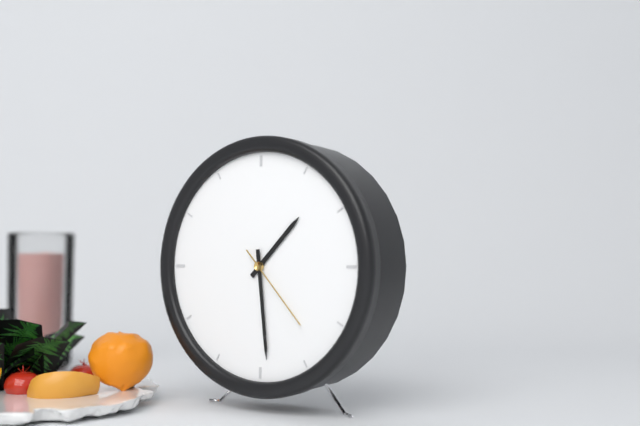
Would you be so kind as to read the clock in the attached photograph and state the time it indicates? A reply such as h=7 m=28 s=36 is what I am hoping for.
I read h=1 m=29 s=23
